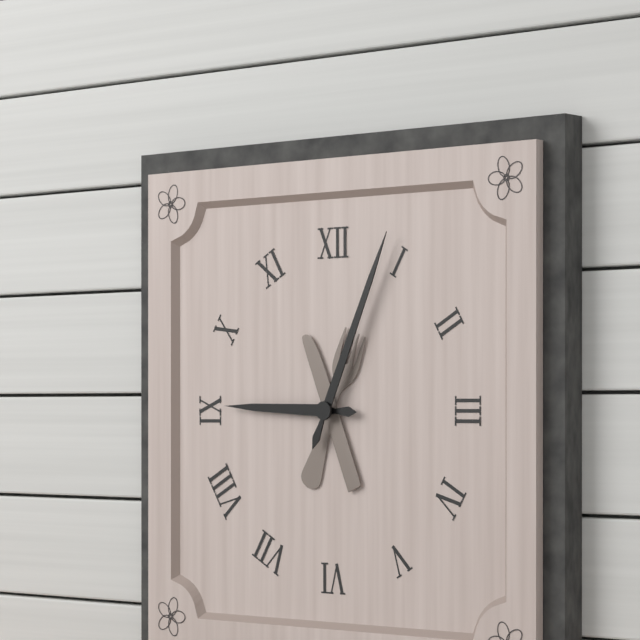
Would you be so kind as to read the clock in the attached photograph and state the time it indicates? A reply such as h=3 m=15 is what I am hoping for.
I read h=9 m=4
